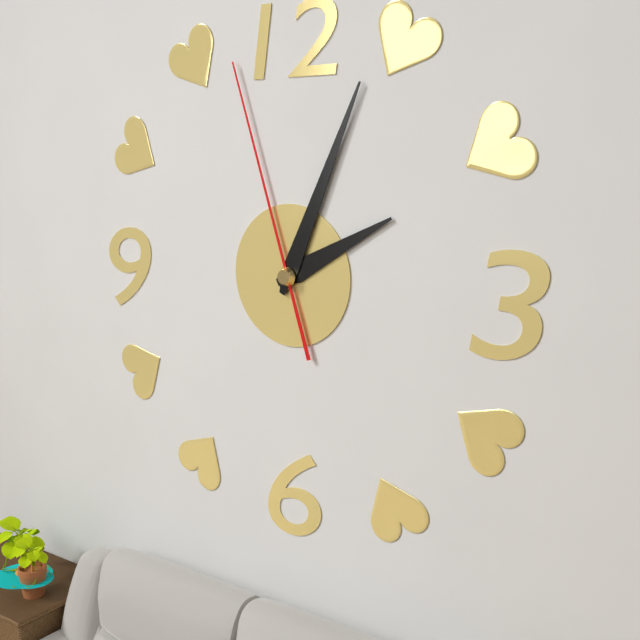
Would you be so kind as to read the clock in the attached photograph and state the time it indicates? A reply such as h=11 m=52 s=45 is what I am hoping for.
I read h=2 m=4 s=57
